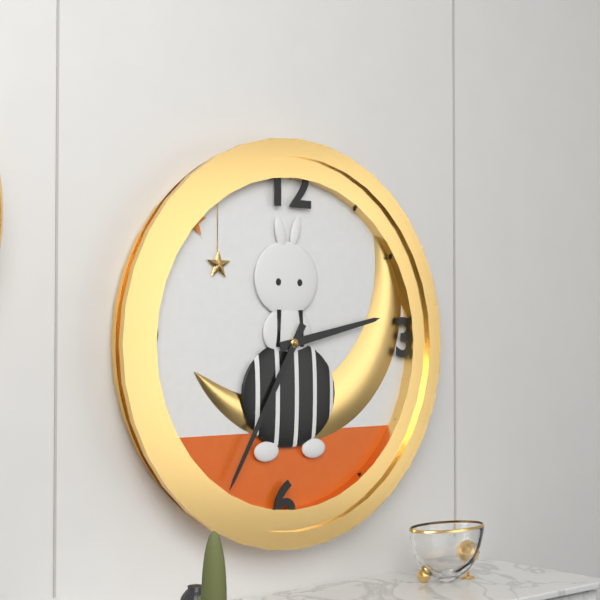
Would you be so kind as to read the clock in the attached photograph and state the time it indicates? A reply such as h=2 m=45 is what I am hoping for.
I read h=2 m=35
